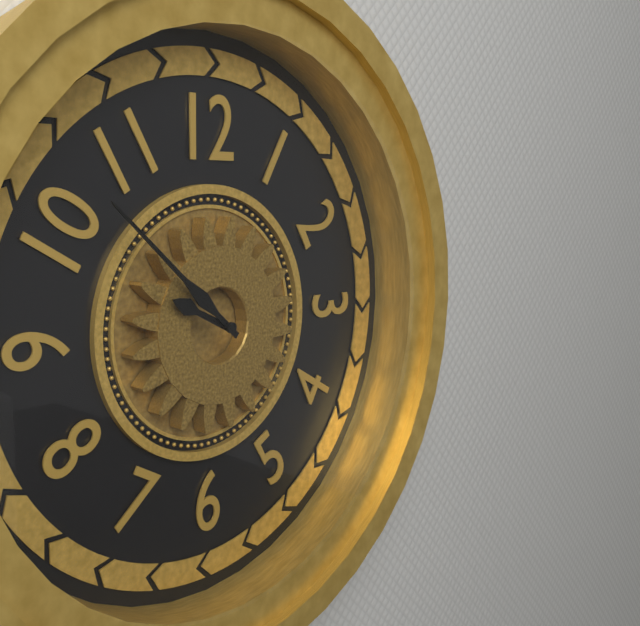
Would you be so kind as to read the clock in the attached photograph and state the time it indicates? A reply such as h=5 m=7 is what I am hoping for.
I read h=9 m=52
